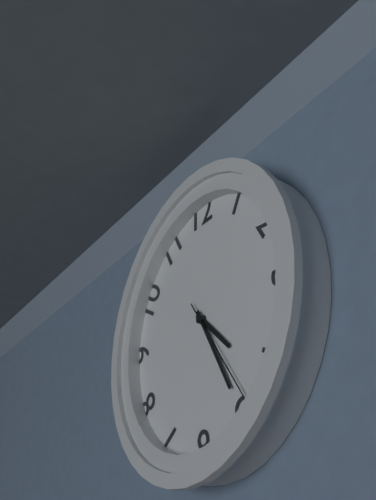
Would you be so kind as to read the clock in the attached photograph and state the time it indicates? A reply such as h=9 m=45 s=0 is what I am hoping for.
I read h=4 m=25 s=24
